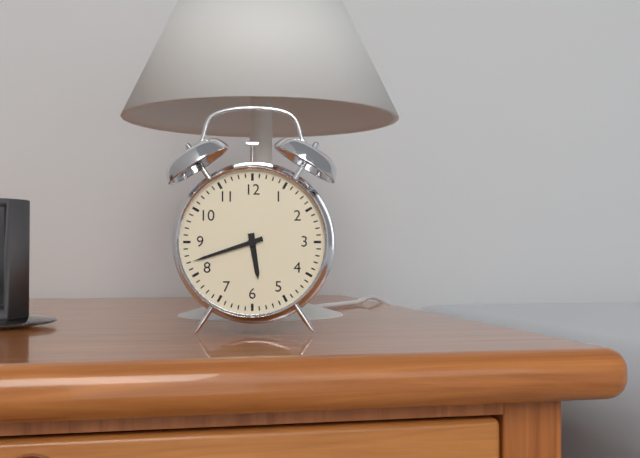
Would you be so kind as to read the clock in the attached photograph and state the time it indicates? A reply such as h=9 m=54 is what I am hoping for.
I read h=5 m=42
